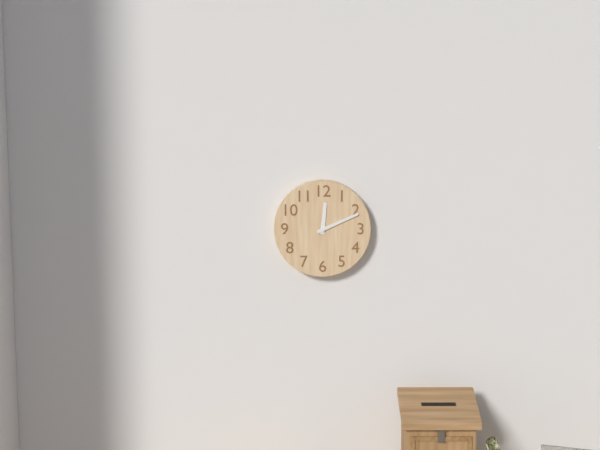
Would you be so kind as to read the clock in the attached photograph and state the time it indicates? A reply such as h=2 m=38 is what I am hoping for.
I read h=12 m=11
